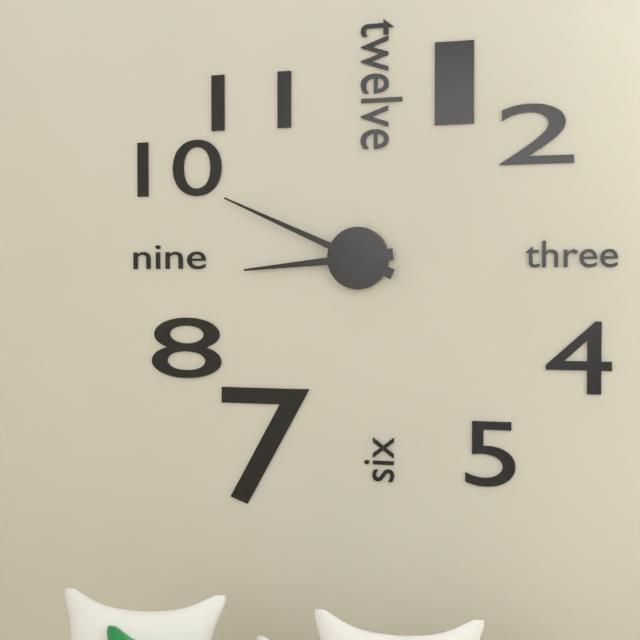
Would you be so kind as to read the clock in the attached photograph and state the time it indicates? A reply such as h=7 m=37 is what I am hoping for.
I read h=8 m=49
